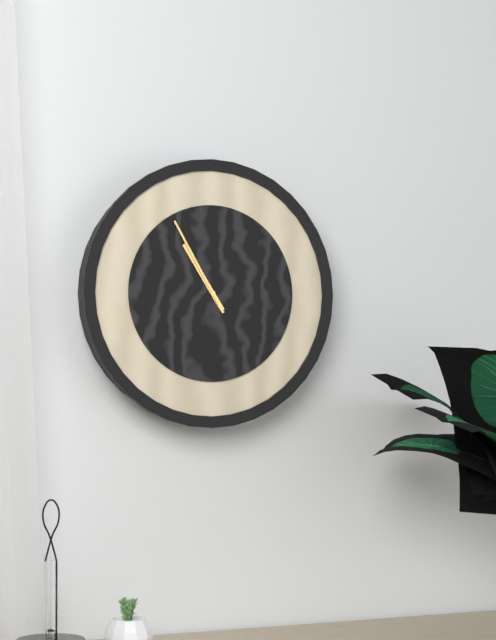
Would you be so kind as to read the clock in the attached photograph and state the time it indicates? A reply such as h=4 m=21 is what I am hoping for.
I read h=10 m=55
